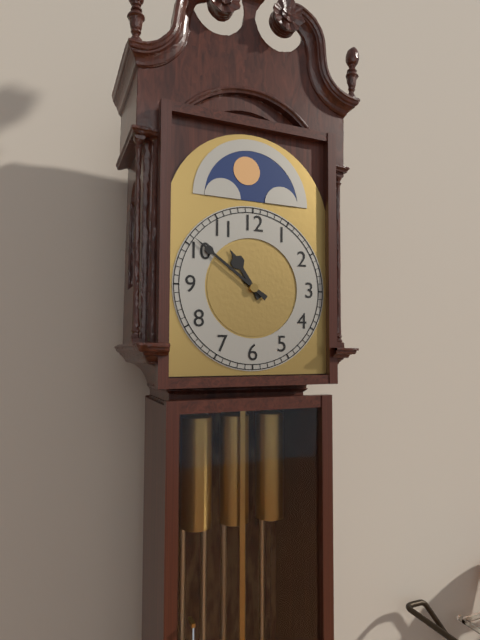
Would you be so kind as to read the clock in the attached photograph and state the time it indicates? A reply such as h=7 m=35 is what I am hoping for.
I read h=10 m=51
